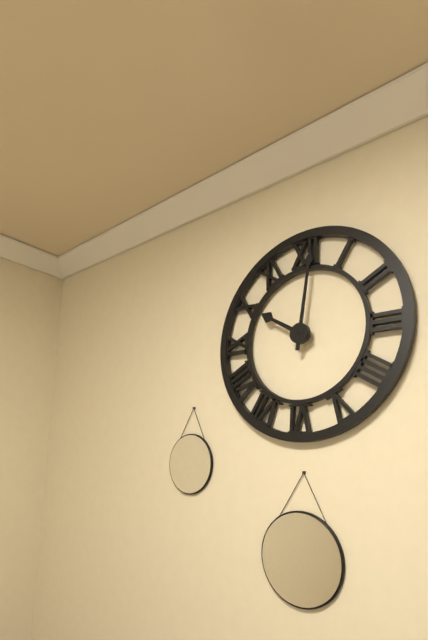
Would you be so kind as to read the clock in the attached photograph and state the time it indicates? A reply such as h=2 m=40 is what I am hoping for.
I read h=10 m=1
